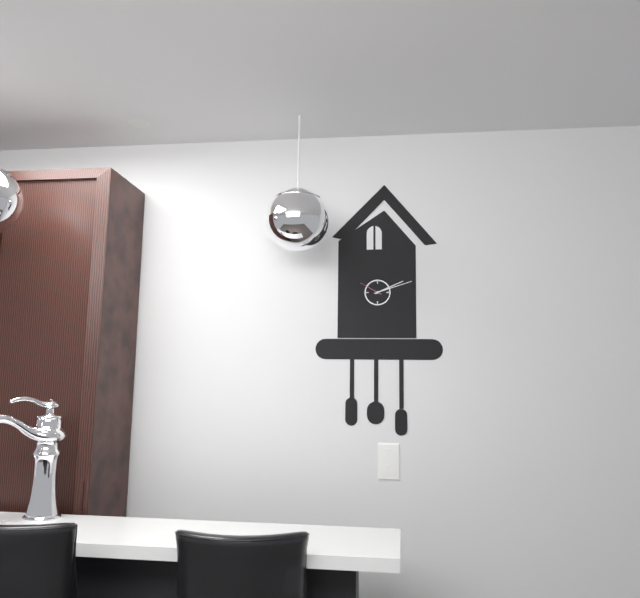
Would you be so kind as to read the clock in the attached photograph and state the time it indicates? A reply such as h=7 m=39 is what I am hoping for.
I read h=2 m=12
